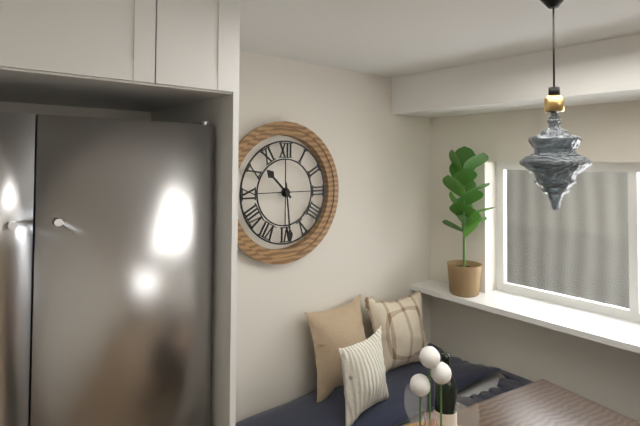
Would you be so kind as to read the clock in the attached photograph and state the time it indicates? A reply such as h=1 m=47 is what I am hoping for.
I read h=10 m=29
